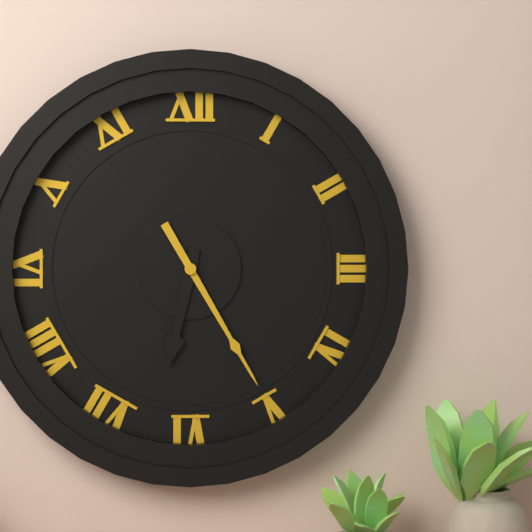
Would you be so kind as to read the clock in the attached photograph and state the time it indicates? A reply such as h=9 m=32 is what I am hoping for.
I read h=6 m=25
